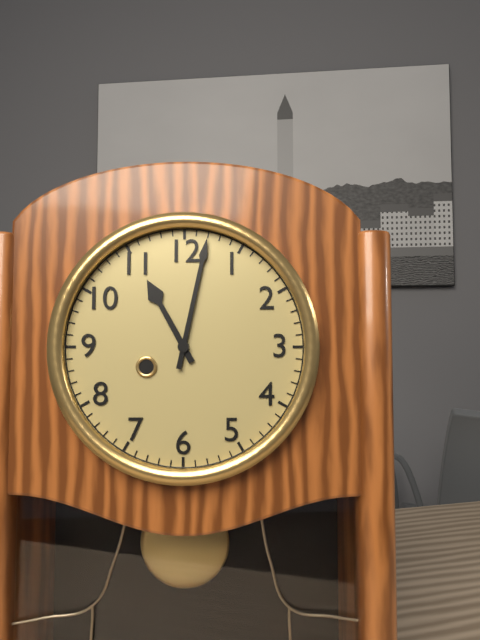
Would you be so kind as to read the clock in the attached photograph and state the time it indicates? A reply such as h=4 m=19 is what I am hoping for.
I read h=11 m=2
